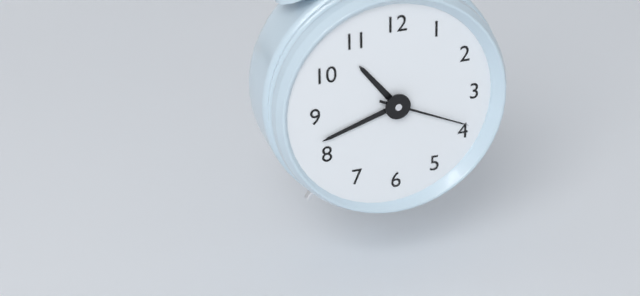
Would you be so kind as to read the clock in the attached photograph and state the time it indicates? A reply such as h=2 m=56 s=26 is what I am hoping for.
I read h=10 m=42 s=19
